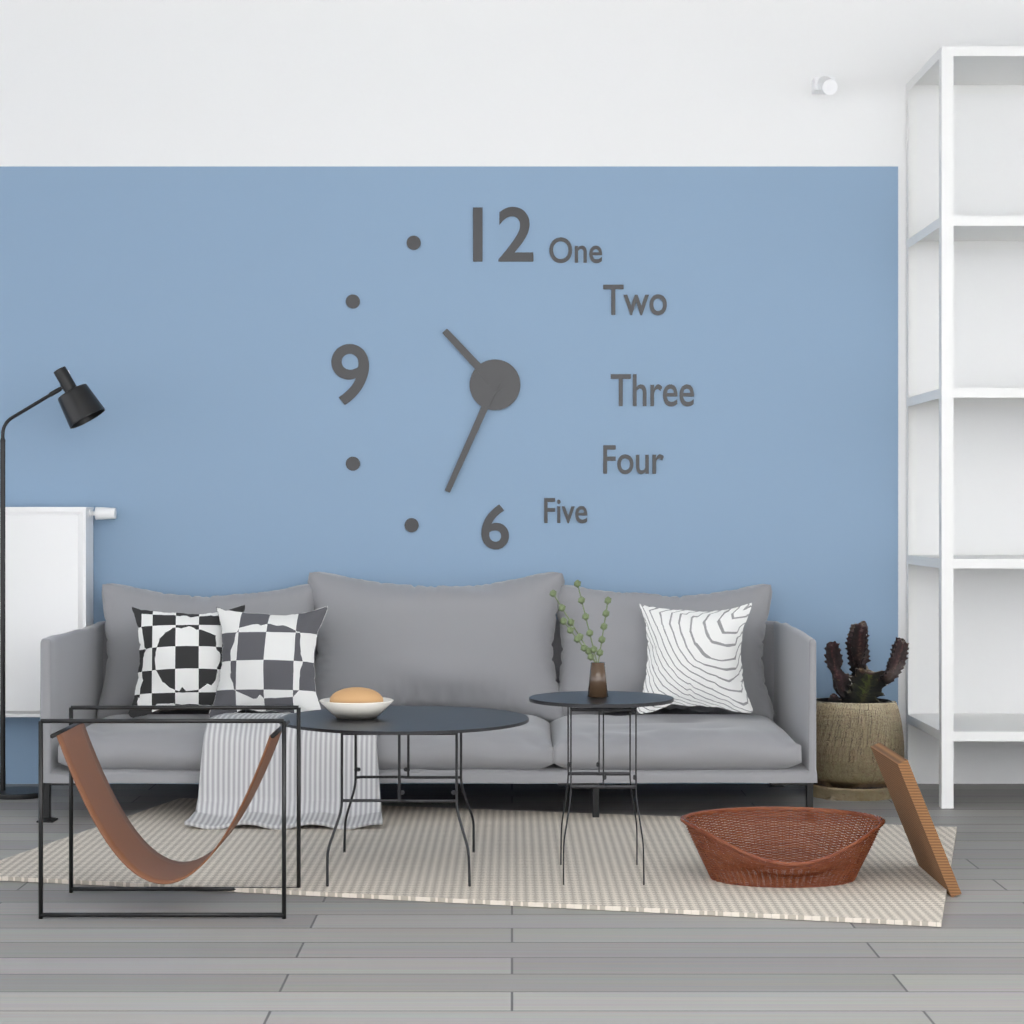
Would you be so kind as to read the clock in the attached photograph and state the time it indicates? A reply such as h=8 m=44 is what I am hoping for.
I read h=10 m=34
